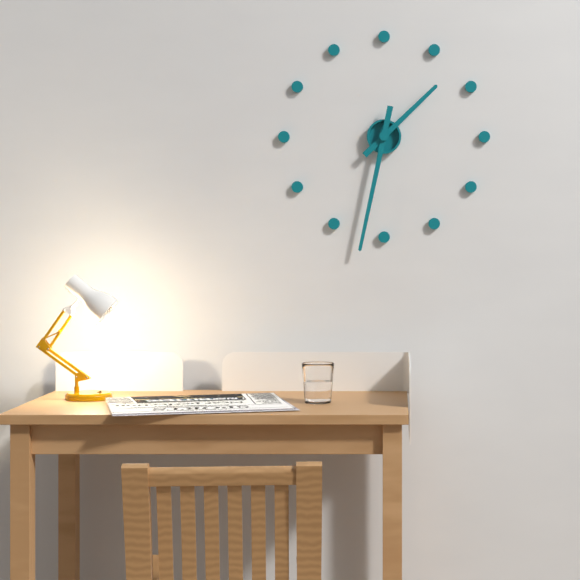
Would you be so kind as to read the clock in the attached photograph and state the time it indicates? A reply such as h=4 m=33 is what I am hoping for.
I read h=1 m=32
